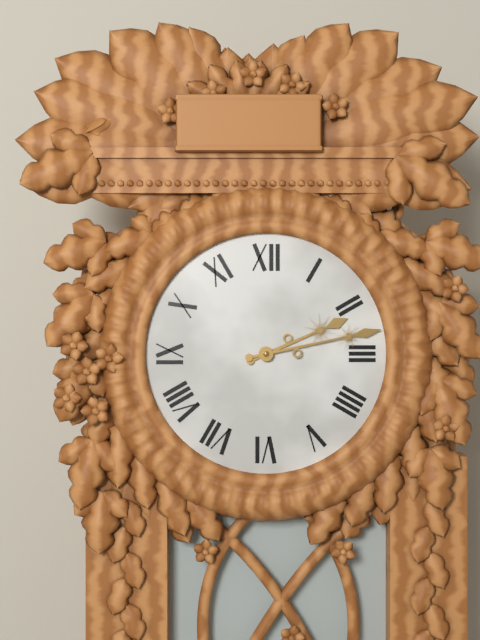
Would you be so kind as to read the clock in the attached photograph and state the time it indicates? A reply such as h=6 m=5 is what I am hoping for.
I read h=2 m=13
